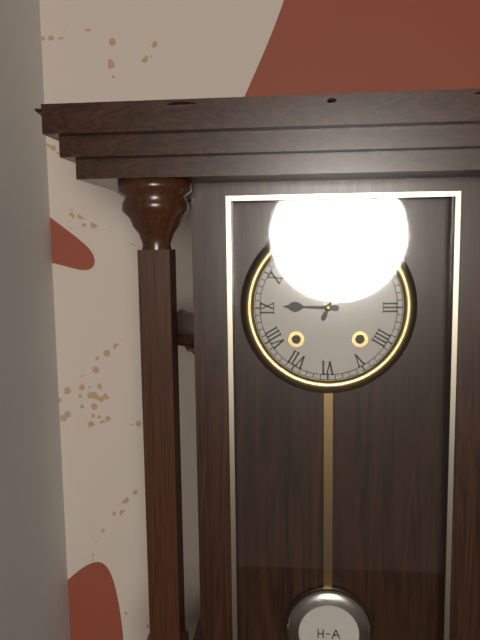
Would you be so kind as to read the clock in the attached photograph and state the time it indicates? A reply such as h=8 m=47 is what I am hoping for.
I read h=9 m=4
